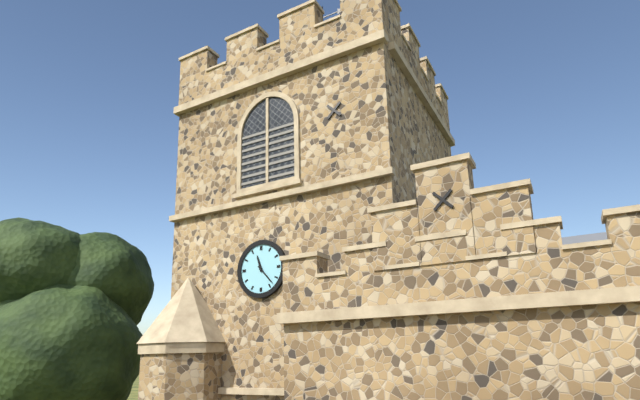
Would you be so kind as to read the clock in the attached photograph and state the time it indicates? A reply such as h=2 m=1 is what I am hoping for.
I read h=11 m=23
